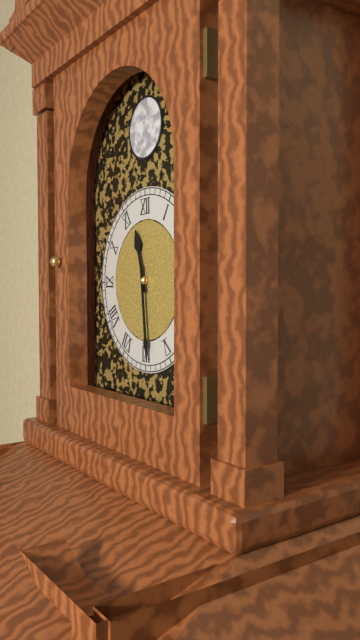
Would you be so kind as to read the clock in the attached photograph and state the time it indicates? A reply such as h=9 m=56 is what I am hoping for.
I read h=11 m=29
